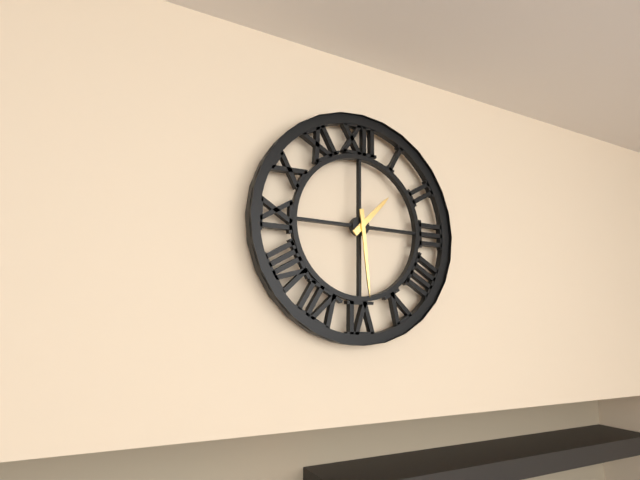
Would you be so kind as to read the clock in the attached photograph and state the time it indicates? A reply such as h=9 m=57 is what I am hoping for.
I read h=1 m=29
